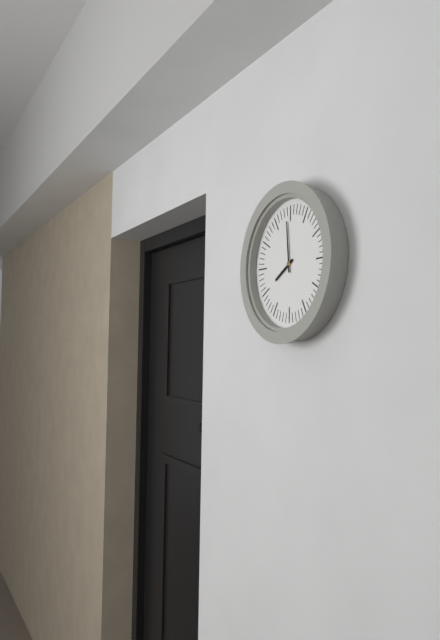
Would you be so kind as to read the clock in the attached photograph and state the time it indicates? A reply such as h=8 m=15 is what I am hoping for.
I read h=7 m=59
